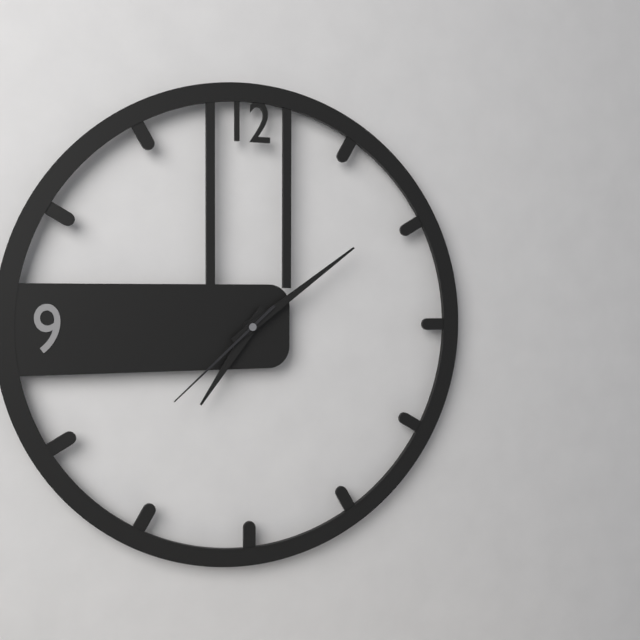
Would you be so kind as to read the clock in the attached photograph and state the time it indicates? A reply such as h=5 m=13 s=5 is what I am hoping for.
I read h=7 m=9 s=38
